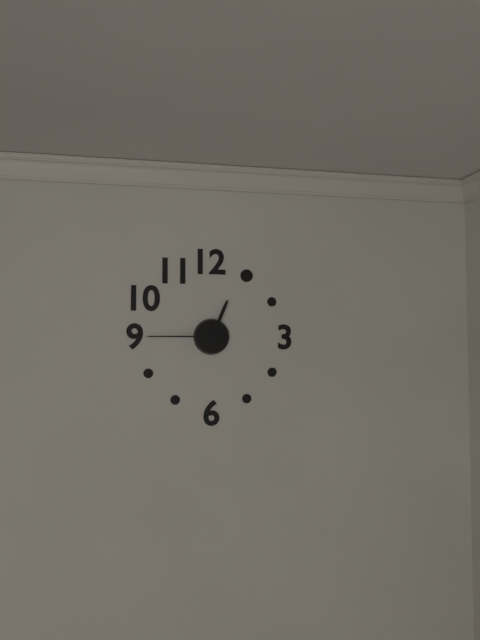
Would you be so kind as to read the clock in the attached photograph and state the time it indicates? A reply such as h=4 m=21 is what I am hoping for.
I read h=12 m=45
